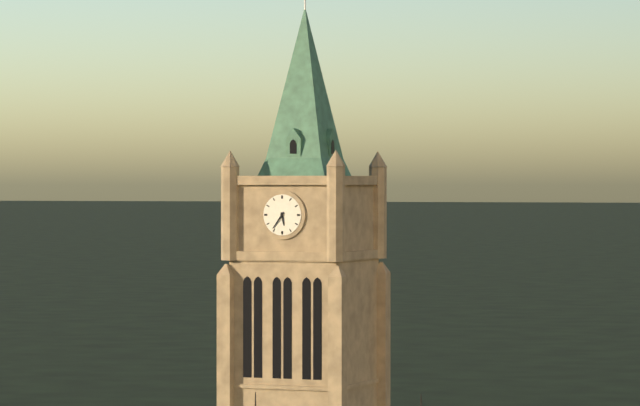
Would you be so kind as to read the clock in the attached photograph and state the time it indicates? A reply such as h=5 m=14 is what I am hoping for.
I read h=5 m=36
